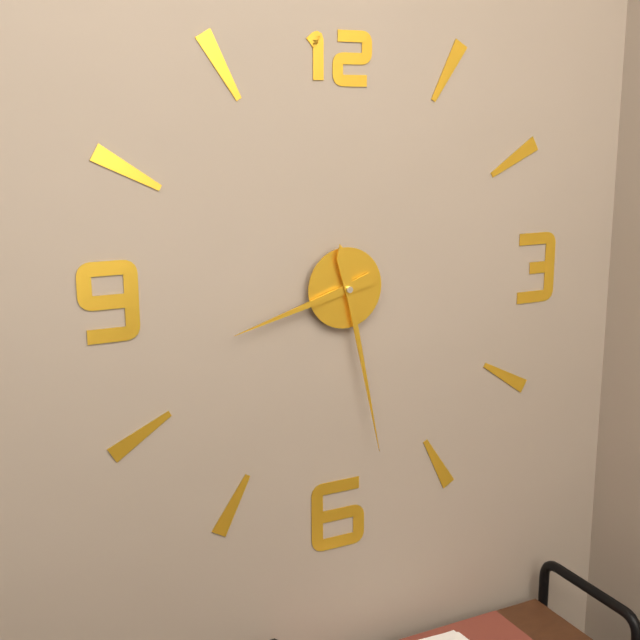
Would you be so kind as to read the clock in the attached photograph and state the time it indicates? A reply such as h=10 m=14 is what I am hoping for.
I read h=8 m=28
